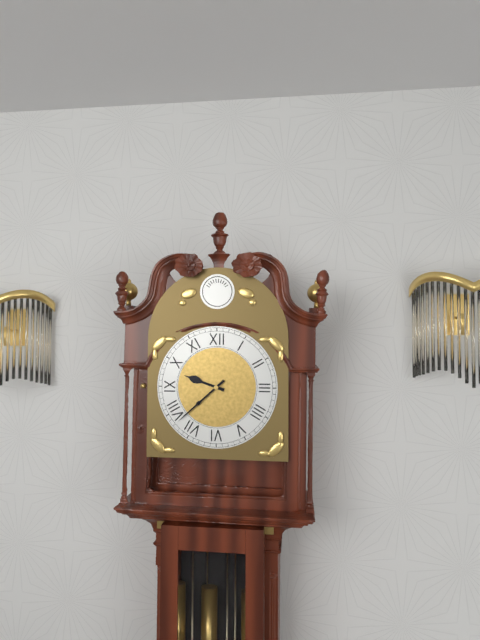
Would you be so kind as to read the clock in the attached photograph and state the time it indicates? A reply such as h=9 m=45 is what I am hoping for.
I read h=9 m=38
